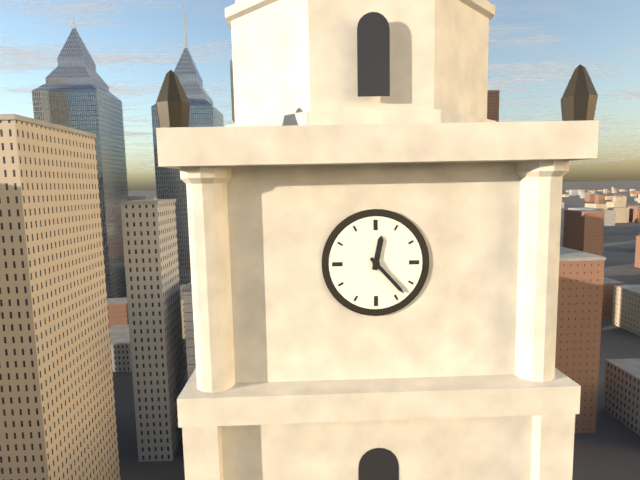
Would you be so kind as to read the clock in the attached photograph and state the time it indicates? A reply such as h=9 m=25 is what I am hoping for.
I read h=12 m=23
